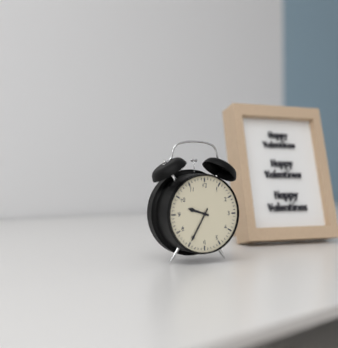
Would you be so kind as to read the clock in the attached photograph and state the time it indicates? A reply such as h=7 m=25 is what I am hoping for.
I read h=9 m=35
